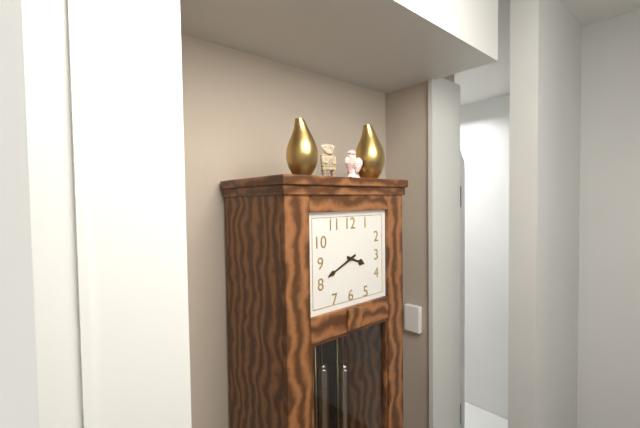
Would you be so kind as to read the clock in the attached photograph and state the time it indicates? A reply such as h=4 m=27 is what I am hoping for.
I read h=3 m=41
